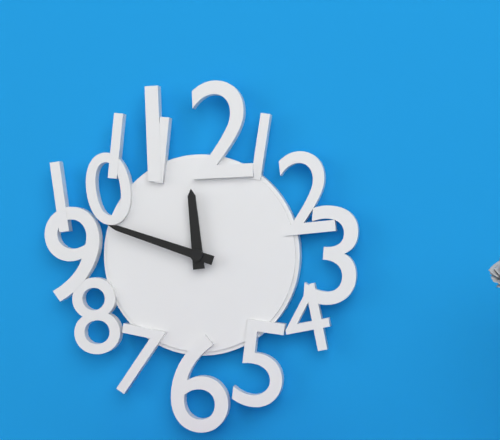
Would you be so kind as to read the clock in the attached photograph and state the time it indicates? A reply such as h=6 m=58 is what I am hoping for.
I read h=11 m=48
